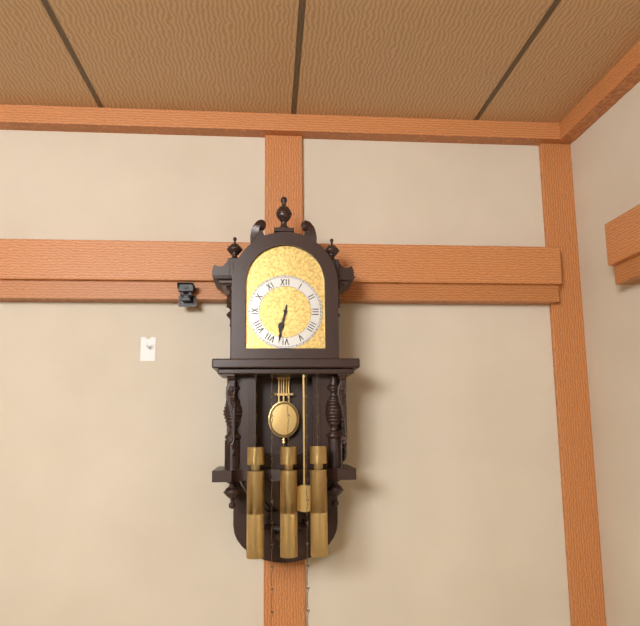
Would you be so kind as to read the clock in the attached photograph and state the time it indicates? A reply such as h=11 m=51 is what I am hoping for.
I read h=6 m=32
